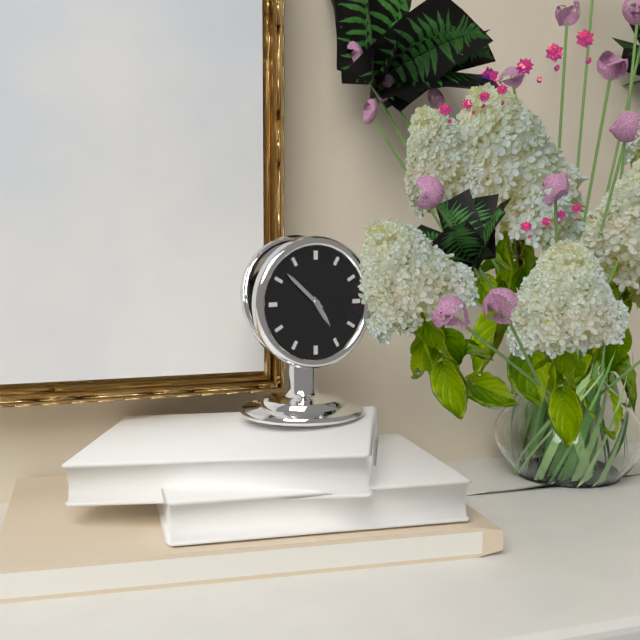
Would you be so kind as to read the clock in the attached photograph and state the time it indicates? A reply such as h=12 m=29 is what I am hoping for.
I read h=4 m=52
